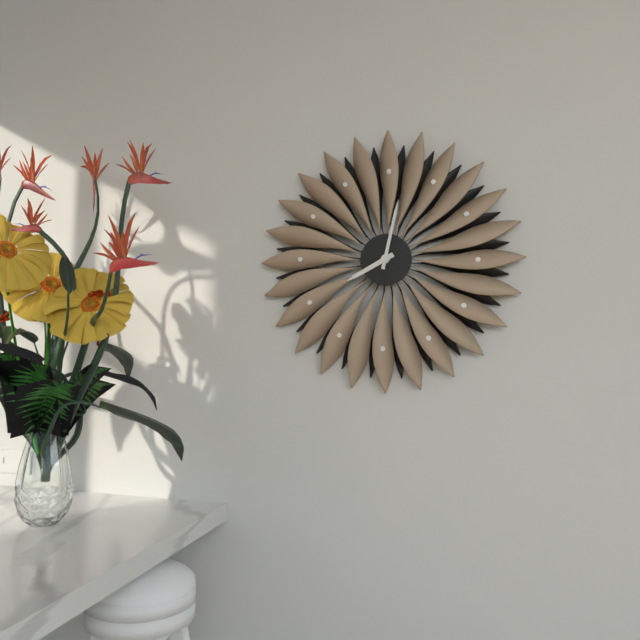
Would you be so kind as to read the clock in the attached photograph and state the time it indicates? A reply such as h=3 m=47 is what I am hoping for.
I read h=8 m=2
